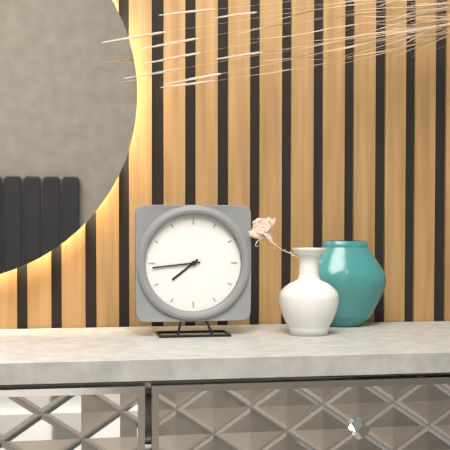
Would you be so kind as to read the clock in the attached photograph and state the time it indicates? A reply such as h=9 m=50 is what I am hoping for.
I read h=7 m=44
